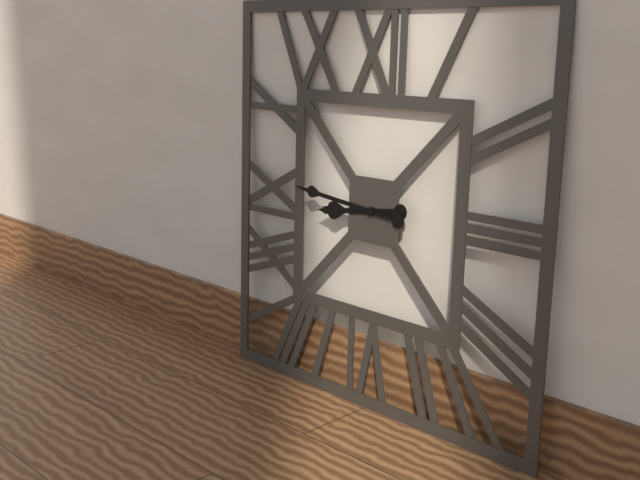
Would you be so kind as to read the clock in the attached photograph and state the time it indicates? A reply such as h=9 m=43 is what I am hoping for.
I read h=8 m=46
